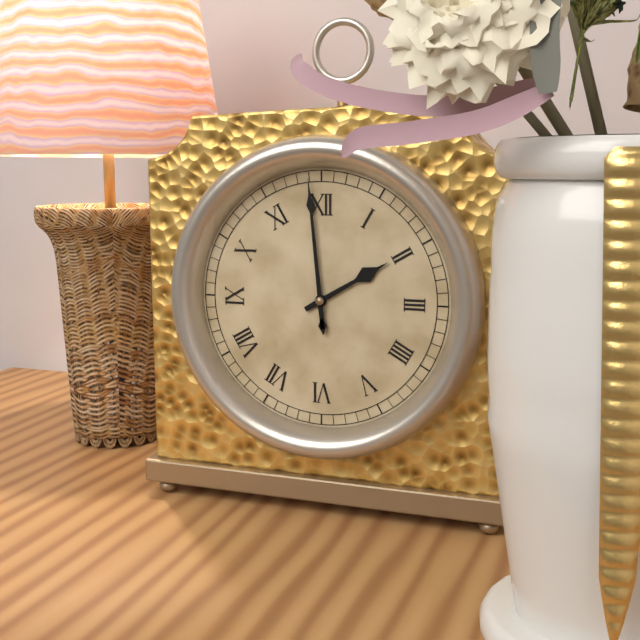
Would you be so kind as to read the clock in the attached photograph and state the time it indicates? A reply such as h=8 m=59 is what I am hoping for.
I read h=1 m=59
